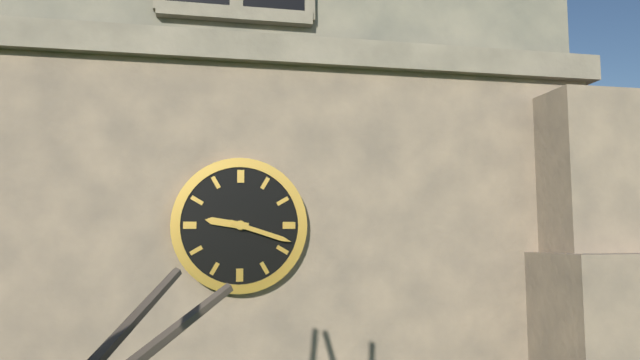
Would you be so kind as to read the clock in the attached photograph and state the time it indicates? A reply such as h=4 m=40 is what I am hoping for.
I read h=9 m=18
